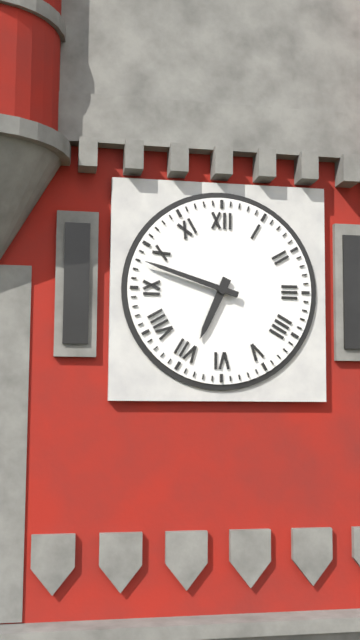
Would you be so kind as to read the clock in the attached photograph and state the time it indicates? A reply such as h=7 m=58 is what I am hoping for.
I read h=6 m=48
